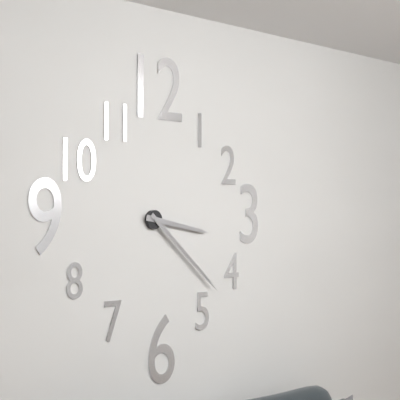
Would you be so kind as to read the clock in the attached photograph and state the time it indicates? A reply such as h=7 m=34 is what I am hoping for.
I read h=3 m=22
